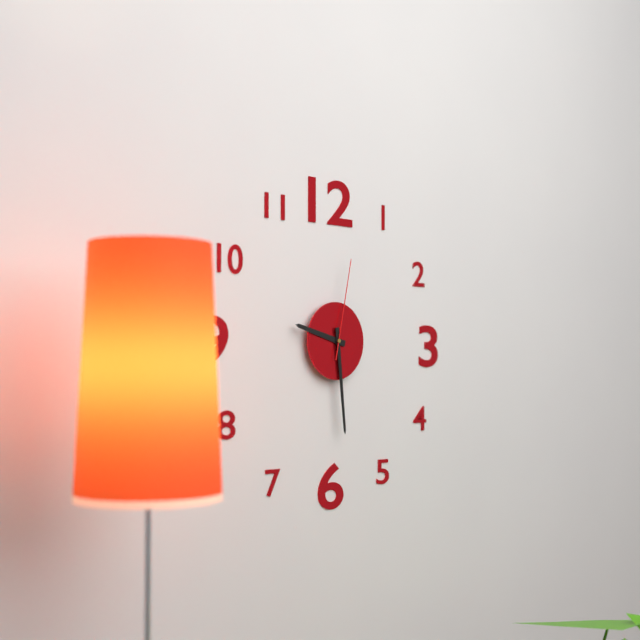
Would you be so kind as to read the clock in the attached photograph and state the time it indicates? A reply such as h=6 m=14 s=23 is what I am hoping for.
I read h=9 m=29 s=2
